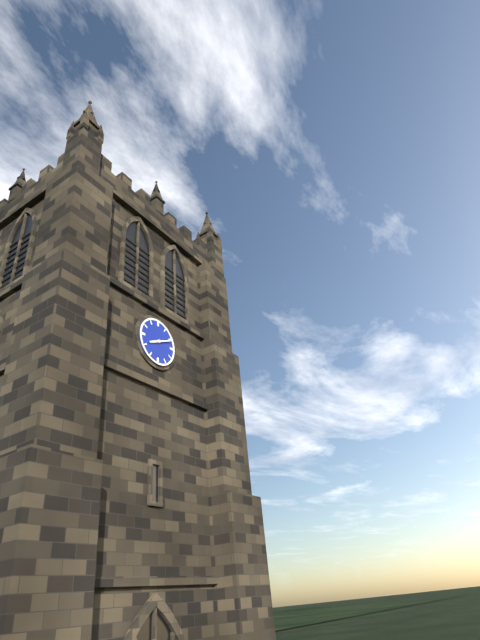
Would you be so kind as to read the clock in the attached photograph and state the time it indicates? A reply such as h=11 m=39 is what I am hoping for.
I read h=8 m=11
